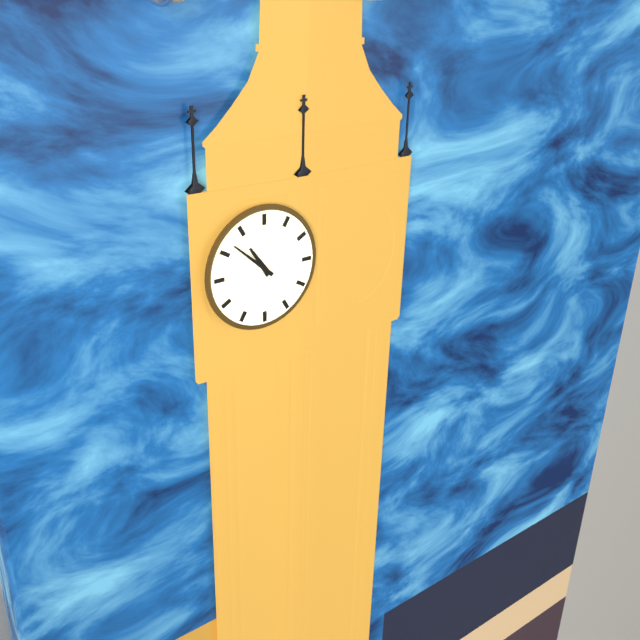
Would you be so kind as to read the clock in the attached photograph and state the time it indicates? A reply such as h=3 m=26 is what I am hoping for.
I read h=10 m=52
